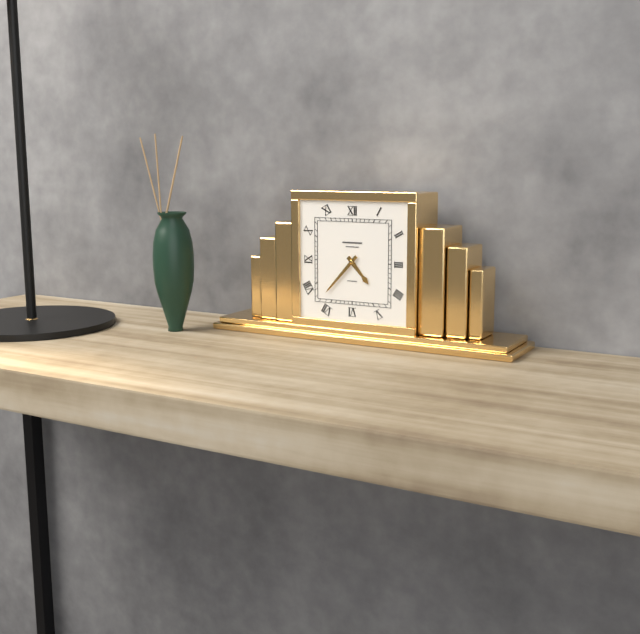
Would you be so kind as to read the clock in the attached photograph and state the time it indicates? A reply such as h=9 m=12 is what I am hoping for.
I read h=4 m=37
